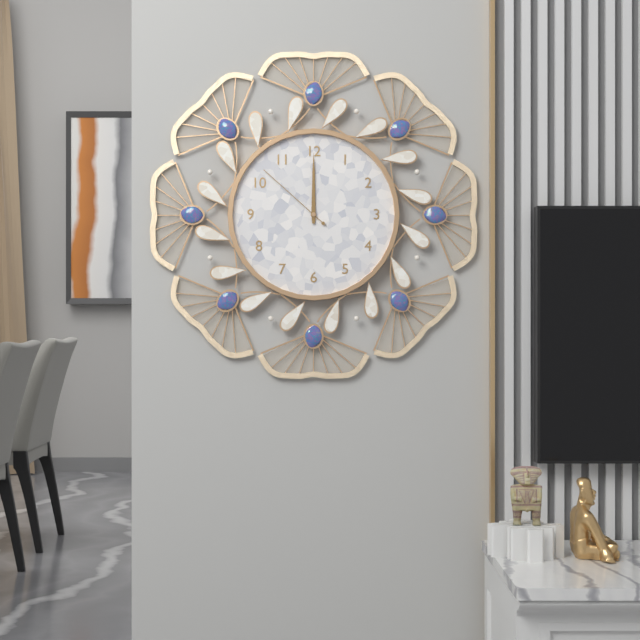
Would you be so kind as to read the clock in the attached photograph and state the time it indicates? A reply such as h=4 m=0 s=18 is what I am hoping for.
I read h=12 m=0 s=52
